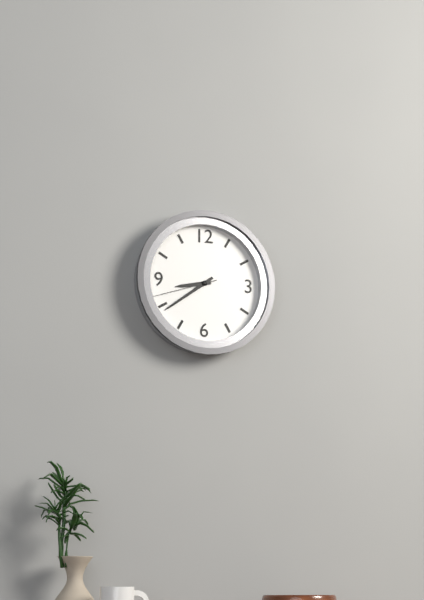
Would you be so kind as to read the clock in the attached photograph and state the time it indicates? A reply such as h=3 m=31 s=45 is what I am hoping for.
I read h=8 m=39 s=42
